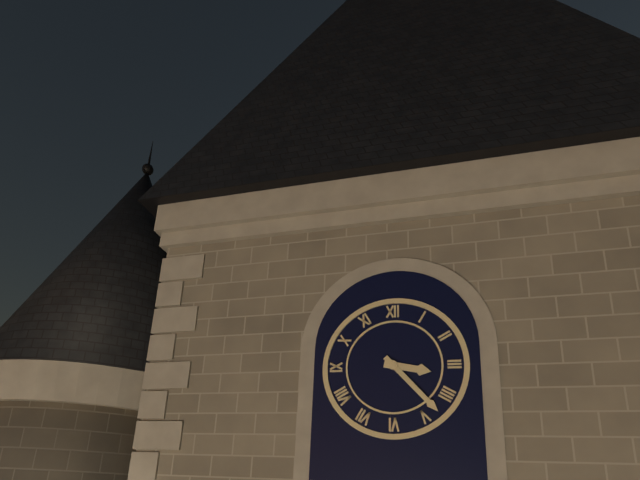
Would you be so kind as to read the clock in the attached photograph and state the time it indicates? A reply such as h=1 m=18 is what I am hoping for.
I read h=3 m=23
